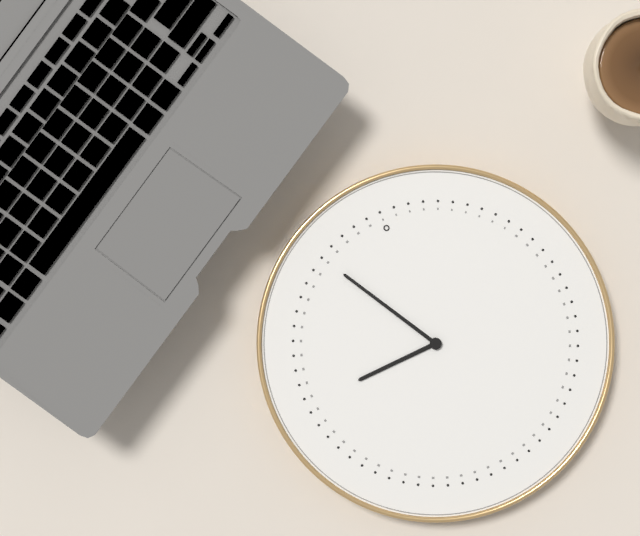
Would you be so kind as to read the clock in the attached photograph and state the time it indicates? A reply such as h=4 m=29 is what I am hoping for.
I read h=8 m=55
